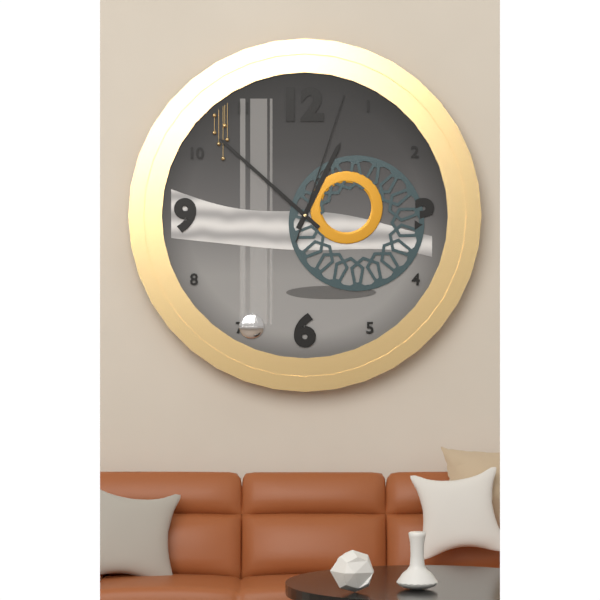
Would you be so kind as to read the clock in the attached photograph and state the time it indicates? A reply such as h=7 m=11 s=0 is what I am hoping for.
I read h=12 m=52 s=3
